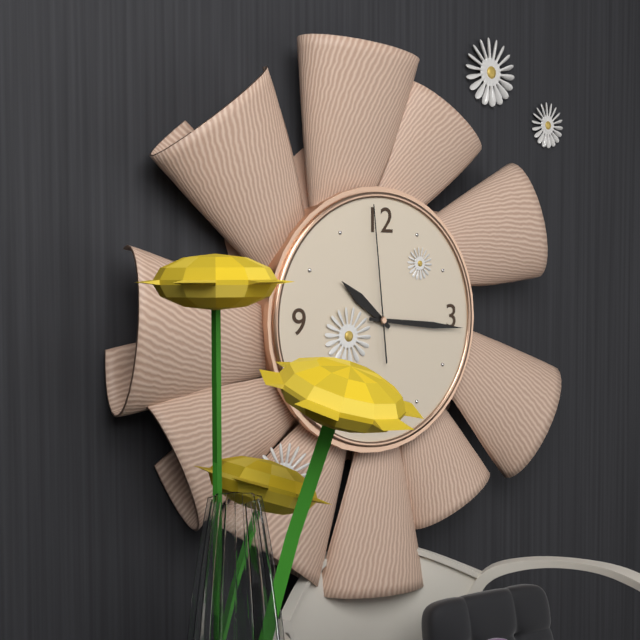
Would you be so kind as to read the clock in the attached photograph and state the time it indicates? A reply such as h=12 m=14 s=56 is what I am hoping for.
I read h=10 m=16 s=59
